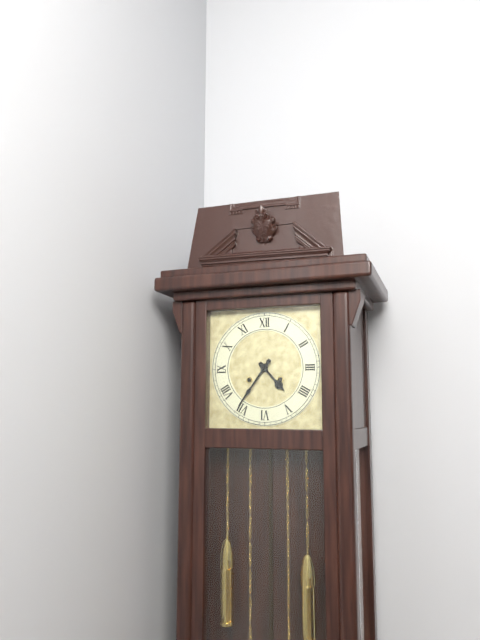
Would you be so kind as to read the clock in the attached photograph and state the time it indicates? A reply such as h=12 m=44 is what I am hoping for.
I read h=4 m=36
